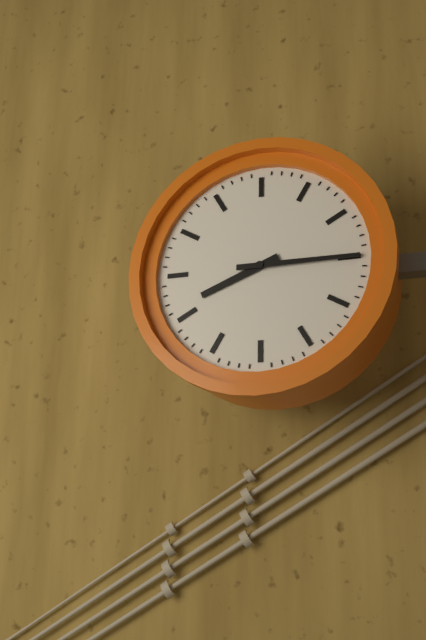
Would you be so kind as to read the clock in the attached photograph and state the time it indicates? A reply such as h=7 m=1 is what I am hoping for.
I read h=8 m=15
